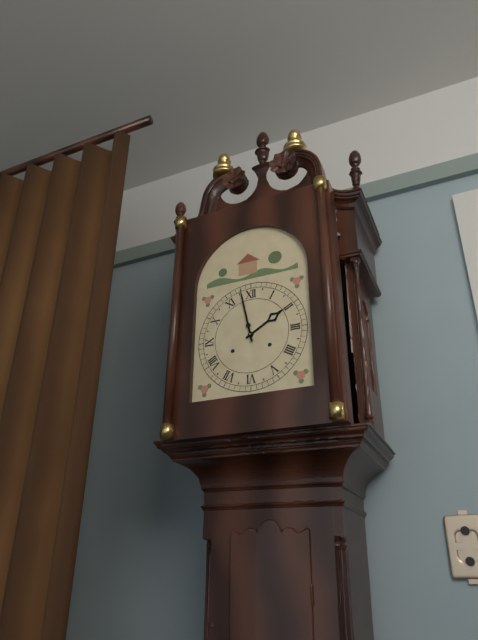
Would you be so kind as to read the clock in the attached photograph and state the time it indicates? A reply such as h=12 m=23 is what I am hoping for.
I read h=1 m=58
